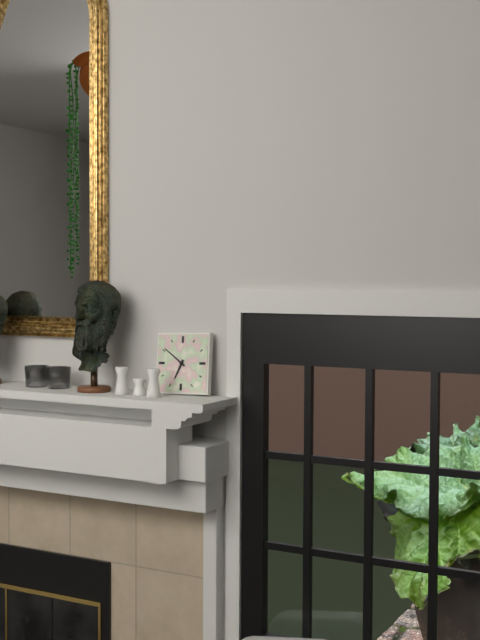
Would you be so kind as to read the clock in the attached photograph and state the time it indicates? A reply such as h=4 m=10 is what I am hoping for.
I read h=6 m=51
